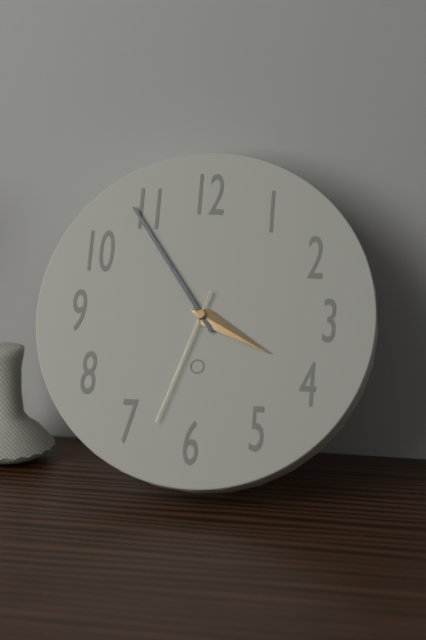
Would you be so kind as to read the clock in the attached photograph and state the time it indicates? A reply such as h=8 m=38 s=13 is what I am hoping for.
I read h=3 m=54 s=33
